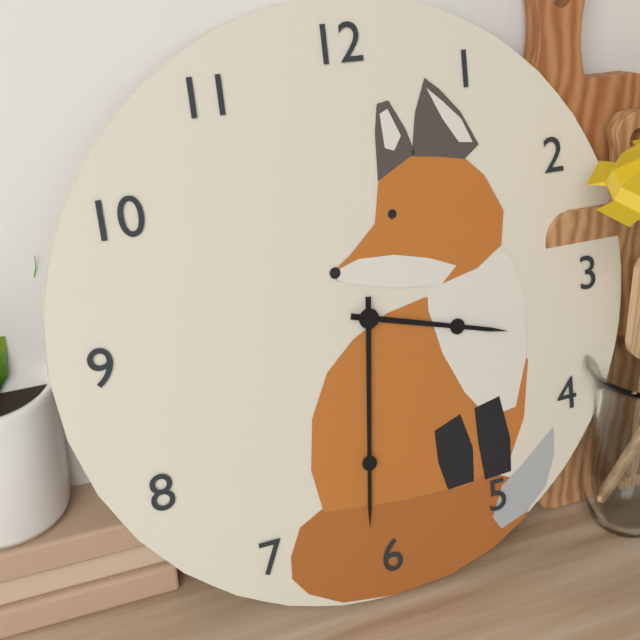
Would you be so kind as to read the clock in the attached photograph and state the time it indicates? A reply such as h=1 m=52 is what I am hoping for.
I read h=3 m=31
